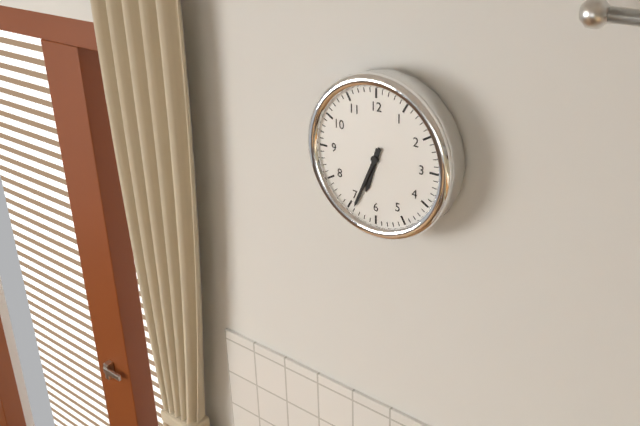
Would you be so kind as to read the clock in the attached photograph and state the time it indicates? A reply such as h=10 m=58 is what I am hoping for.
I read h=6 m=34
